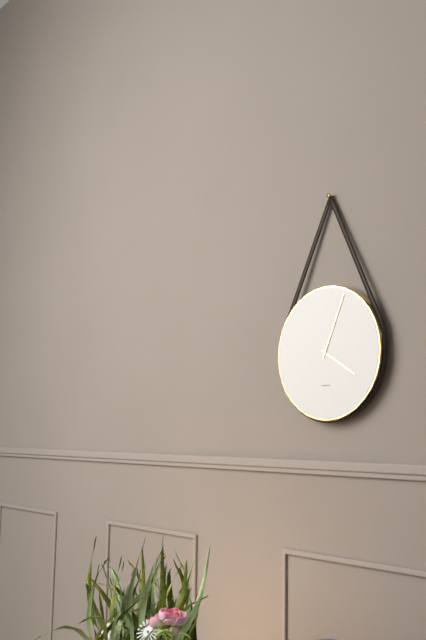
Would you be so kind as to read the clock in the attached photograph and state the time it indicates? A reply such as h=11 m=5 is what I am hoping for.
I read h=4 m=4
